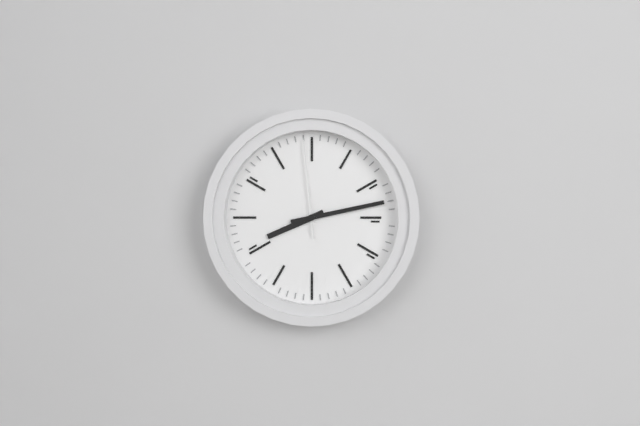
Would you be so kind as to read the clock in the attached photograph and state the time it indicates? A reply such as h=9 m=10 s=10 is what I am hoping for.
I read h=8 m=13 s=59
